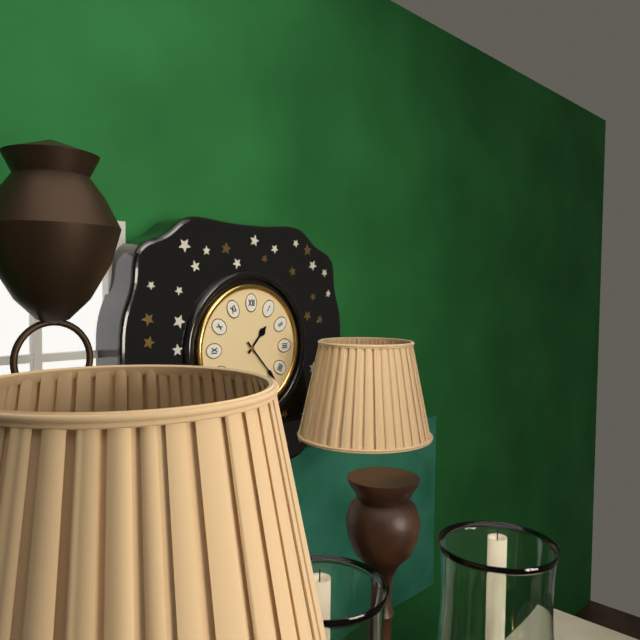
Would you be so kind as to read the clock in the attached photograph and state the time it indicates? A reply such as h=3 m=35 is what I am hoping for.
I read h=1 m=23
